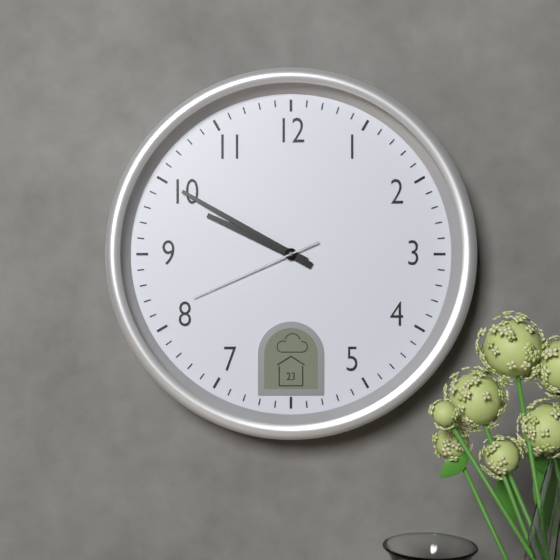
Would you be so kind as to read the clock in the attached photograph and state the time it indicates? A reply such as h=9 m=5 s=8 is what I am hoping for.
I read h=9 m=50 s=41
